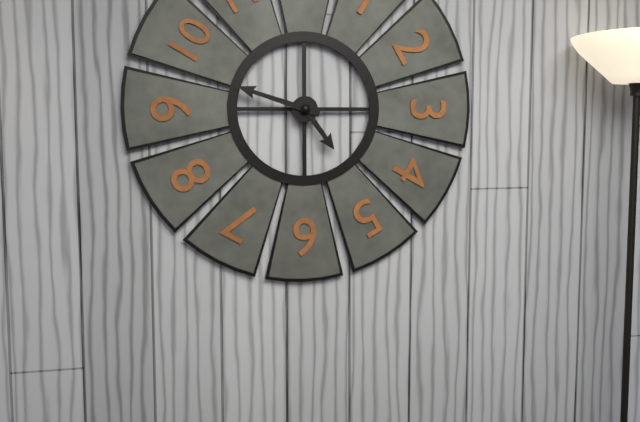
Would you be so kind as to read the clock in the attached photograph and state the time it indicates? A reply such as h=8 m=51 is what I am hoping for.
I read h=4 m=48
